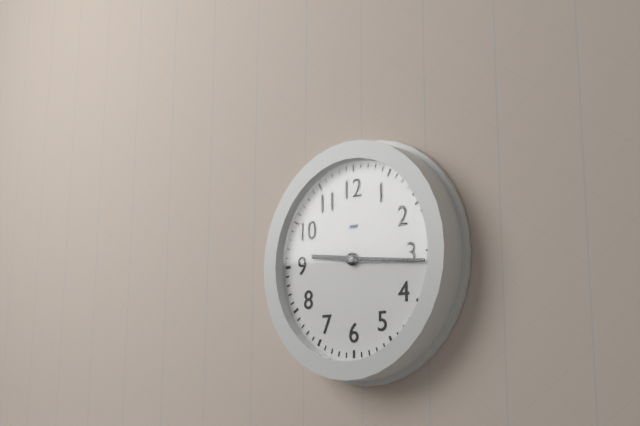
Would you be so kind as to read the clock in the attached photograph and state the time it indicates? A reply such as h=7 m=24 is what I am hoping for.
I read h=9 m=16
